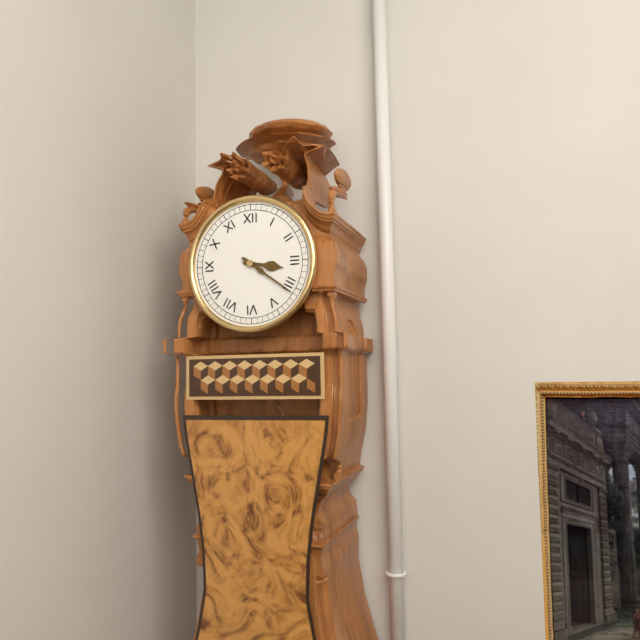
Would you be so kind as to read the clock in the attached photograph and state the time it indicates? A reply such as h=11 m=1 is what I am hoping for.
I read h=3 m=21
